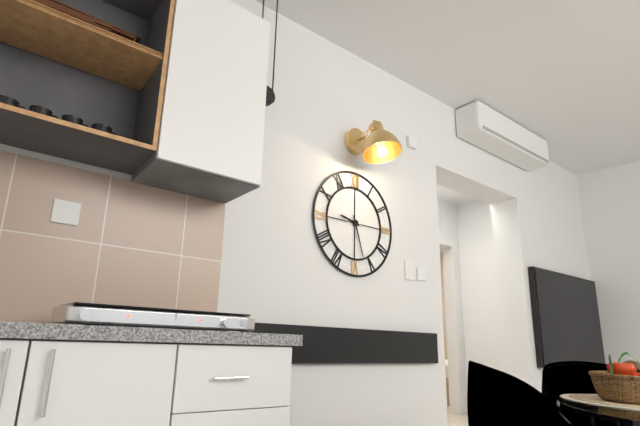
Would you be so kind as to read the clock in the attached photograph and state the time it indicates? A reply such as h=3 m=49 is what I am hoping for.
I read h=9 m=27
